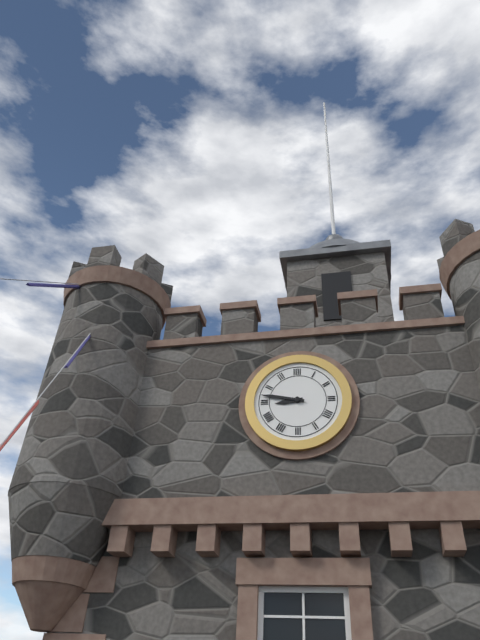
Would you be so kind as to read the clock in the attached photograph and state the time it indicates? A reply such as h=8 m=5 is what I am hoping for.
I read h=8 m=47
